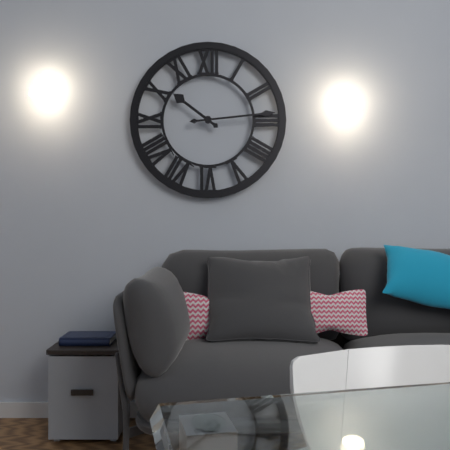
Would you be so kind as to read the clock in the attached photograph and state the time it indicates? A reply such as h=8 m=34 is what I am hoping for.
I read h=10 m=14
